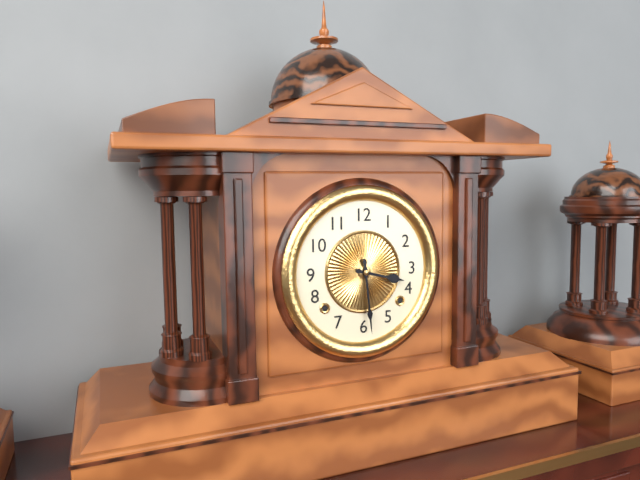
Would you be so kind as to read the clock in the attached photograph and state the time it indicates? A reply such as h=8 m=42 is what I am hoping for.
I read h=3 m=29
